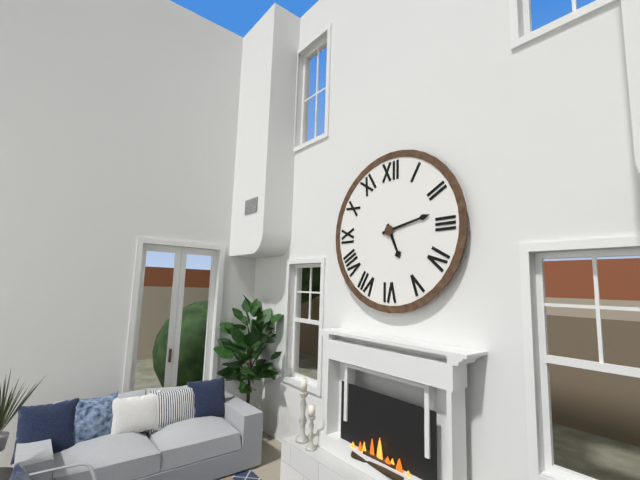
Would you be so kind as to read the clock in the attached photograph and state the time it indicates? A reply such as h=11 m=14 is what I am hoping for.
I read h=5 m=13
